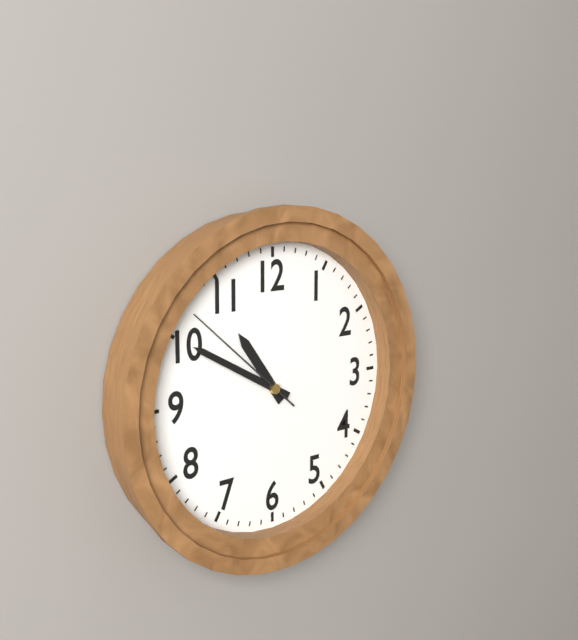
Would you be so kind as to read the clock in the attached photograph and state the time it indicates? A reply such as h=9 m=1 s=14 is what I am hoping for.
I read h=10 m=50 s=52
